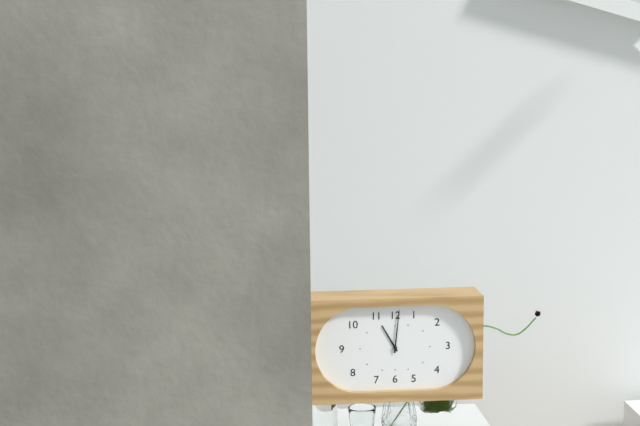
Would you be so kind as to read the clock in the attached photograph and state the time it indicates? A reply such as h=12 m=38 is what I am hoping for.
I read h=11 m=1
